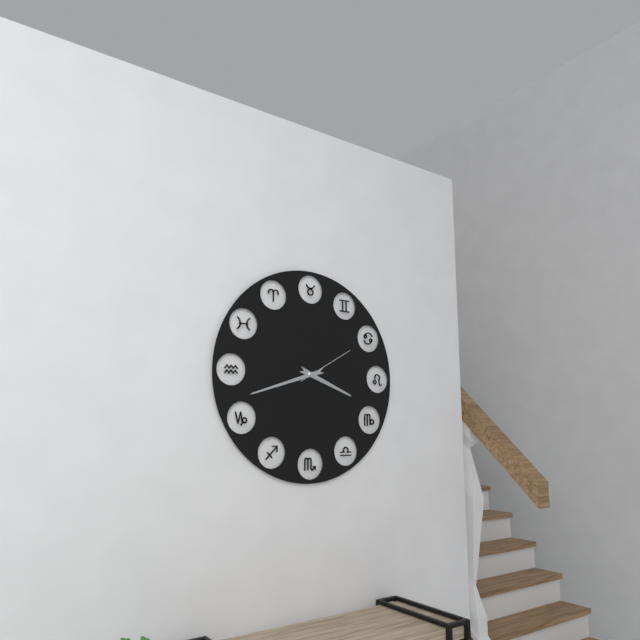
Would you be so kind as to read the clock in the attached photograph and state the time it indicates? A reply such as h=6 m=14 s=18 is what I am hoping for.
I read h=3 m=42 s=10
